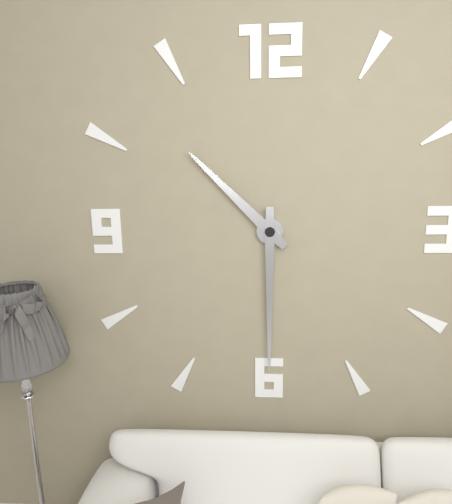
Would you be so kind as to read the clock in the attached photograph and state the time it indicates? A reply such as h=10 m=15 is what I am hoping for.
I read h=10 m=30
